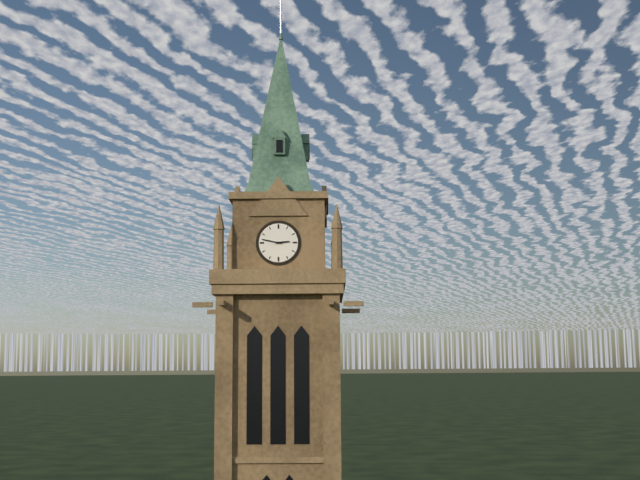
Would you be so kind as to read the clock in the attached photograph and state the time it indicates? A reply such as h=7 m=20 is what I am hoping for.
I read h=2 m=47
